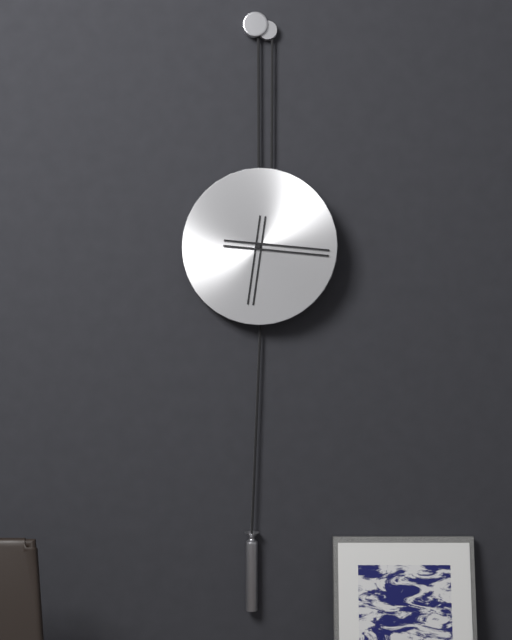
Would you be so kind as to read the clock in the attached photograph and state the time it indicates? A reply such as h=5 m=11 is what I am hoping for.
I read h=6 m=16
